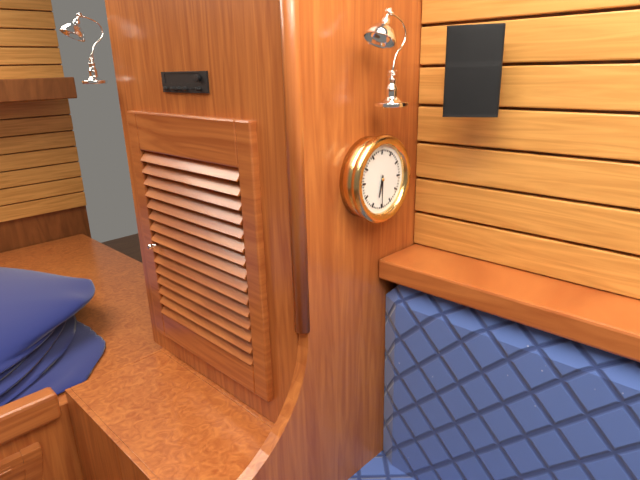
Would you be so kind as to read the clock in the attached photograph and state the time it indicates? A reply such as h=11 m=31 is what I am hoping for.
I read h=6 m=30
